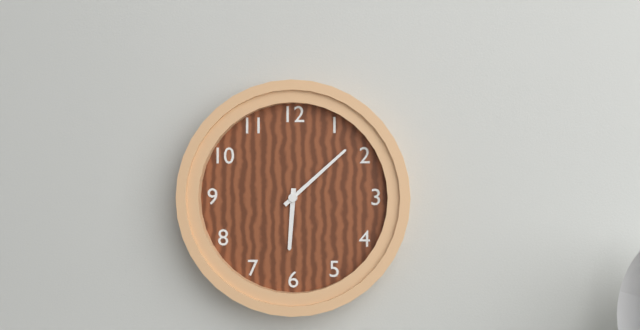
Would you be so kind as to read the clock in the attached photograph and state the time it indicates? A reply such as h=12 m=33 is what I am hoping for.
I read h=6 m=8
